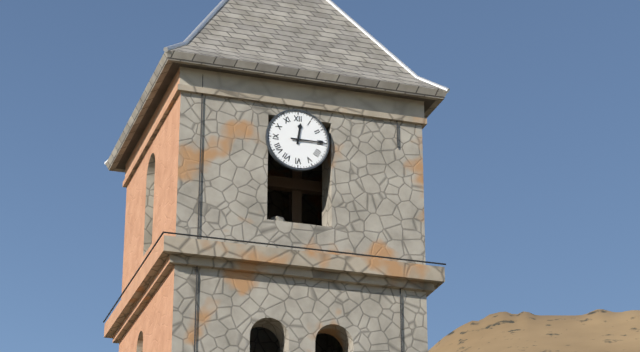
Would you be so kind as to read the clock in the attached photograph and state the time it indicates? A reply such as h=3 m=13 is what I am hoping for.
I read h=12 m=15
